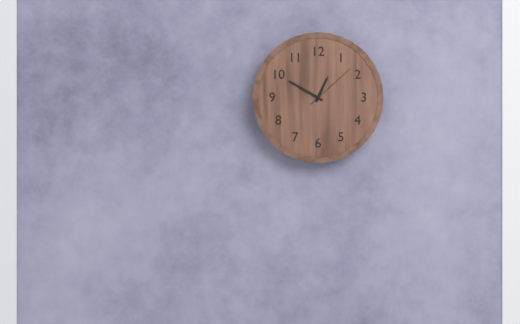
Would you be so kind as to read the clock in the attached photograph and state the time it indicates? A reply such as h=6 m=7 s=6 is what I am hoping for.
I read h=12 m=50 s=8
